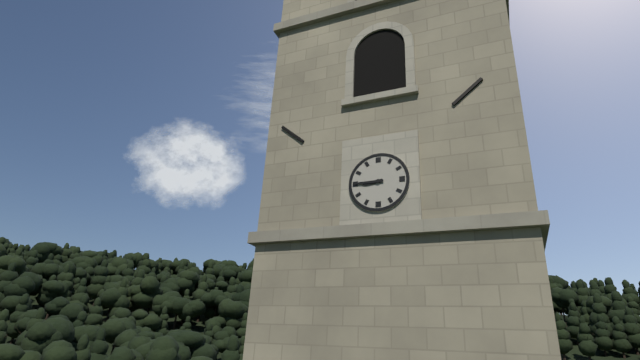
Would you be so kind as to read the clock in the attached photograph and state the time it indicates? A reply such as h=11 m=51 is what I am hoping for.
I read h=8 m=45
